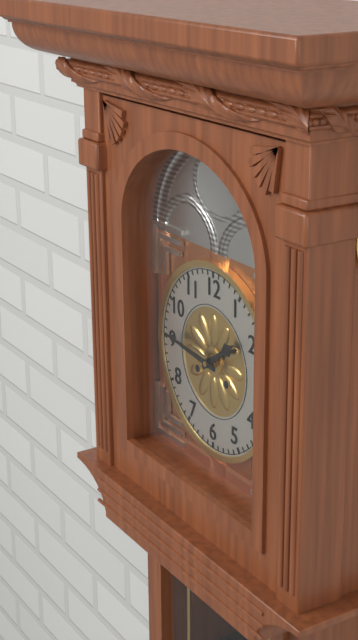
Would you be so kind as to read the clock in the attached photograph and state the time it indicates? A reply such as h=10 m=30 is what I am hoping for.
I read h=1 m=46
